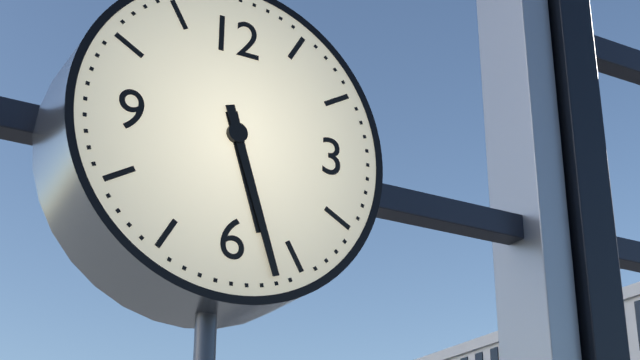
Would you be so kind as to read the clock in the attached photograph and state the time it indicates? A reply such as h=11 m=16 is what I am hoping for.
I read h=5 m=27
